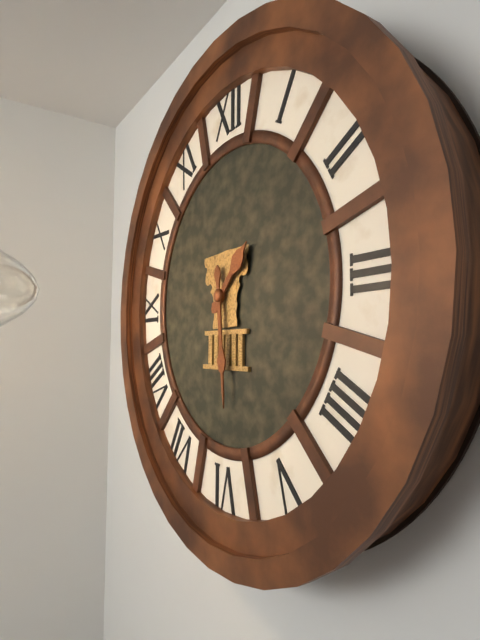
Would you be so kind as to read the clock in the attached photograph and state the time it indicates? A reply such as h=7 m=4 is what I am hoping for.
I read h=1 m=29
